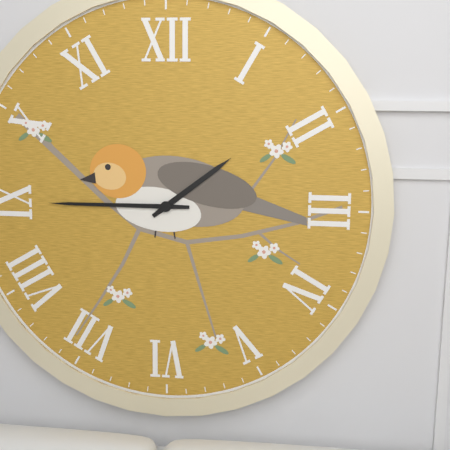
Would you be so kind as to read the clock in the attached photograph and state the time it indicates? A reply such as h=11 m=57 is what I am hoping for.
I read h=1 m=45
